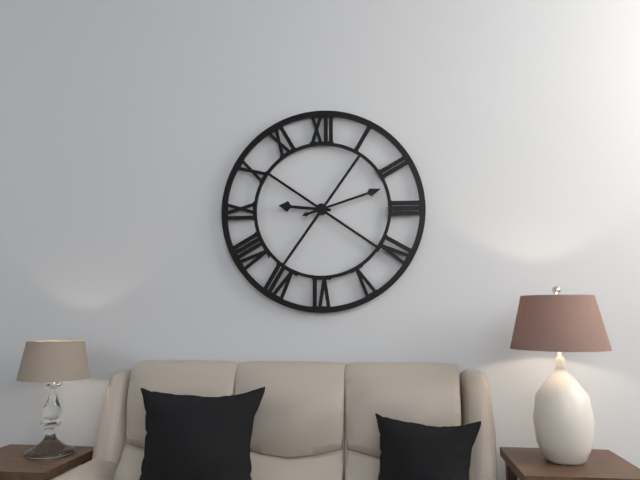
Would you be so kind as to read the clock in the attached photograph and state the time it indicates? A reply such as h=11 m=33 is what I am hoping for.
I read h=9 m=12
